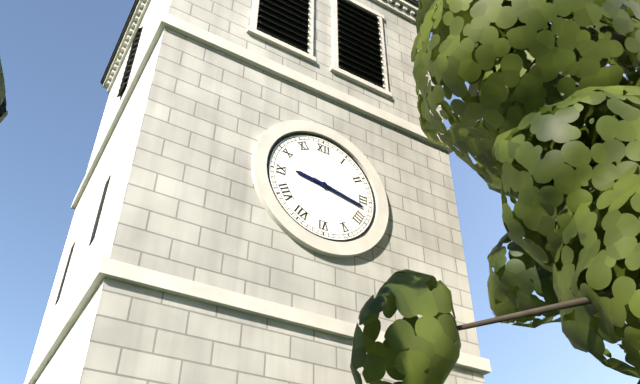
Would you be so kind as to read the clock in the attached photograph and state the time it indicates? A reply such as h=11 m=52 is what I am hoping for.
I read h=9 m=17
